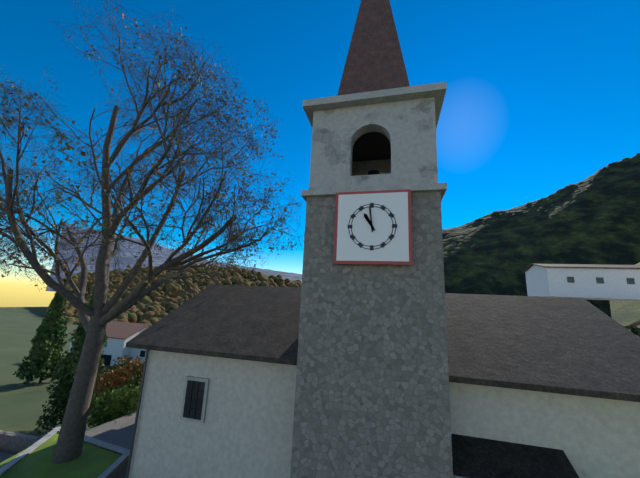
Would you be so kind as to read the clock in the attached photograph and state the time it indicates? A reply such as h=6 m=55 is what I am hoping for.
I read h=10 m=59
